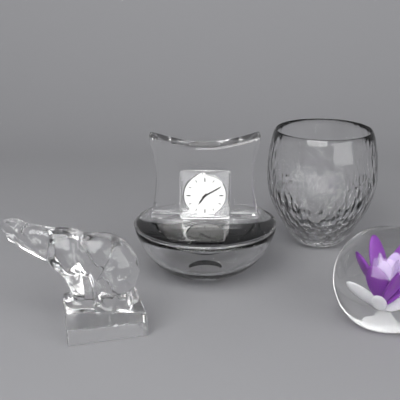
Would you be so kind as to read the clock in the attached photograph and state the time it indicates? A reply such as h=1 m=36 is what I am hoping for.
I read h=7 m=10
